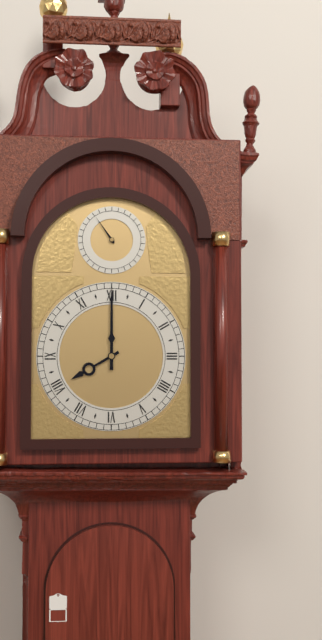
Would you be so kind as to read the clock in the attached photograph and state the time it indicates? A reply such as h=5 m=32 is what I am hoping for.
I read h=8 m=0
